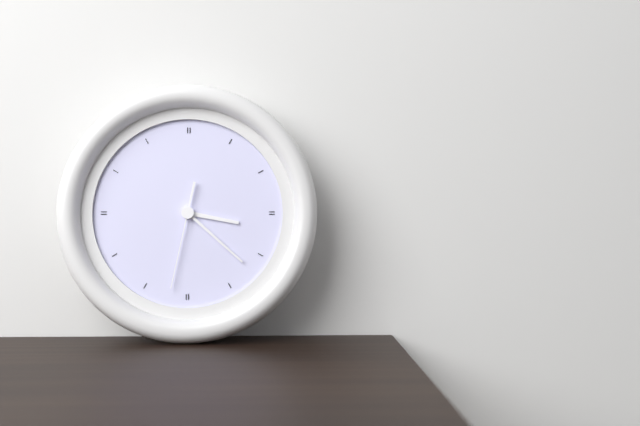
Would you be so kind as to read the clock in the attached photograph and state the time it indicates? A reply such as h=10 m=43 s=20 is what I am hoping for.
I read h=3 m=22 s=32
